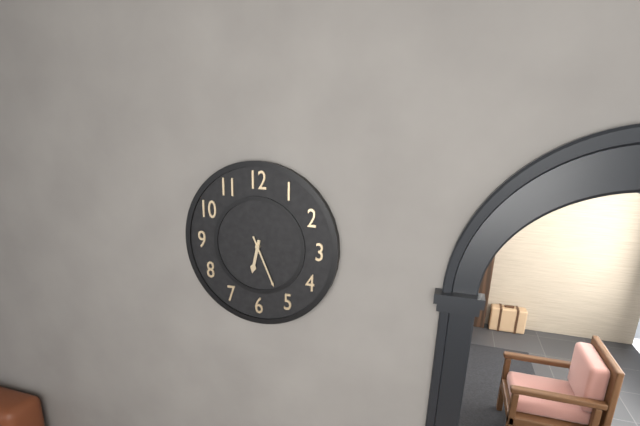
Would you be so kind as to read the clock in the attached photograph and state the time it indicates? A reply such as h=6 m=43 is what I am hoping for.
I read h=6 m=26
